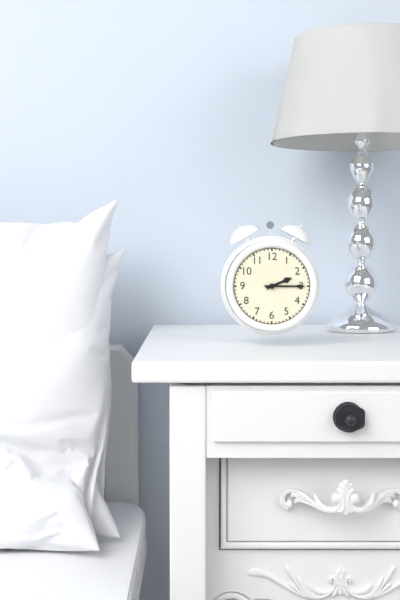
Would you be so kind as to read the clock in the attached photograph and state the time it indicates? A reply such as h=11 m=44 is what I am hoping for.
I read h=2 m=15
